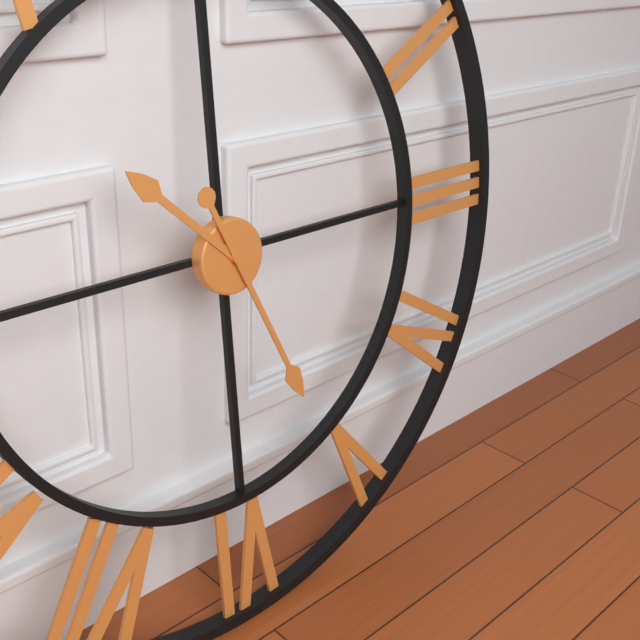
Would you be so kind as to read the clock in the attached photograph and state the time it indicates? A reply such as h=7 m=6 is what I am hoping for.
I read h=10 m=26
